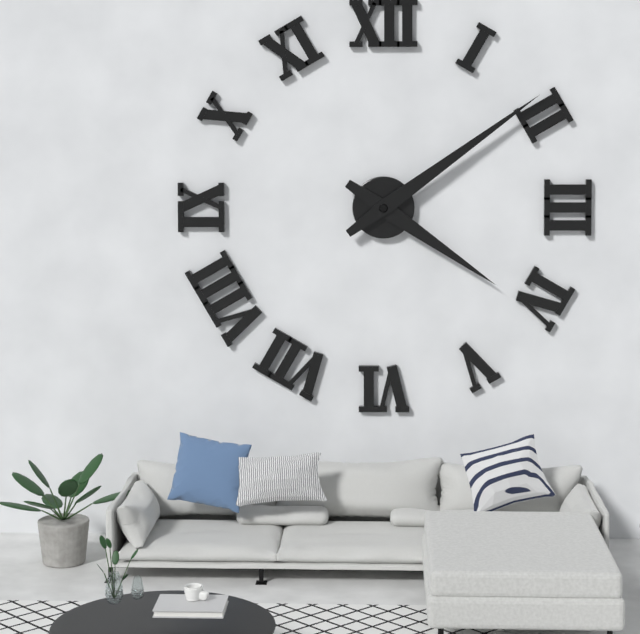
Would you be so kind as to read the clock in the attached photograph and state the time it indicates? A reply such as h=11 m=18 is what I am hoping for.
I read h=4 m=9
